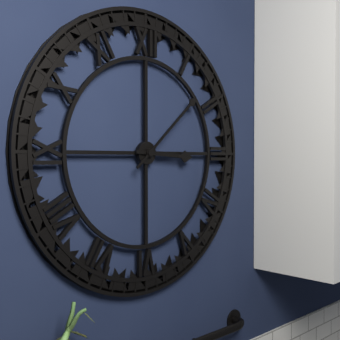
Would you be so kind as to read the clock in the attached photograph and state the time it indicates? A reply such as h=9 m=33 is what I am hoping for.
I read h=3 m=8
